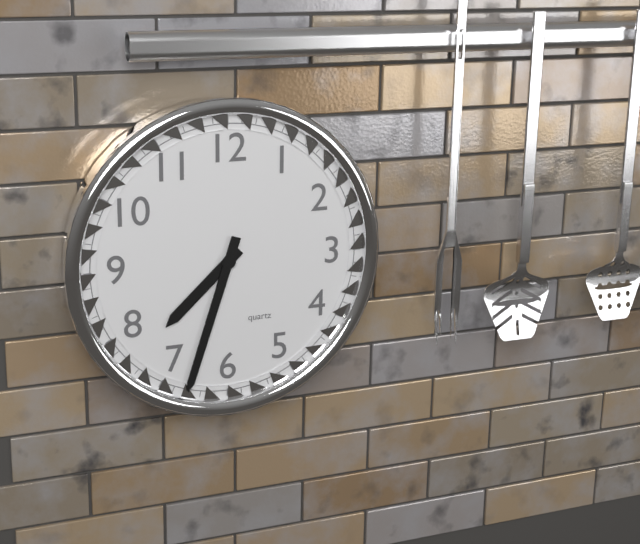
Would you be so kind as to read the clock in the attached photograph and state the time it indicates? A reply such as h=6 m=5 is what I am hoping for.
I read h=7 m=33
